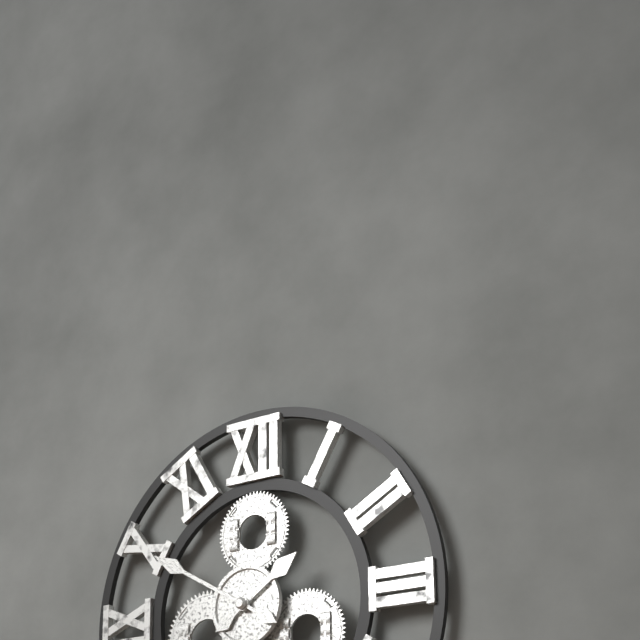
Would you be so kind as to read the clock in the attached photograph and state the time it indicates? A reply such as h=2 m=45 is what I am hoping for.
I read h=1 m=50
